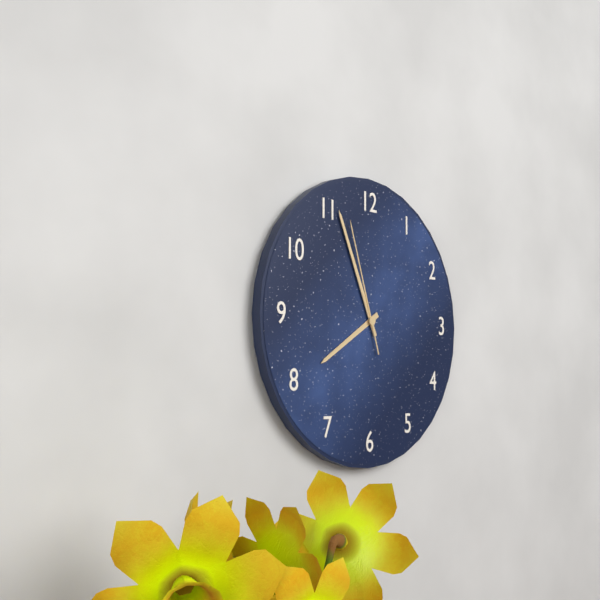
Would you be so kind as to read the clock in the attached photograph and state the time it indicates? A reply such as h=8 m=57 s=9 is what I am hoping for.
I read h=7 m=56 s=57
